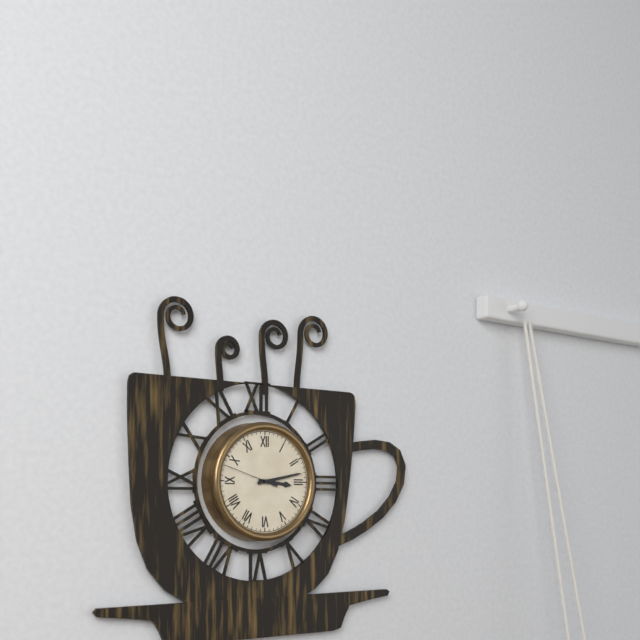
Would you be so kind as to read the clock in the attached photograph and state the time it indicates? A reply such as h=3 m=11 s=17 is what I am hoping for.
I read h=3 m=13 s=48
